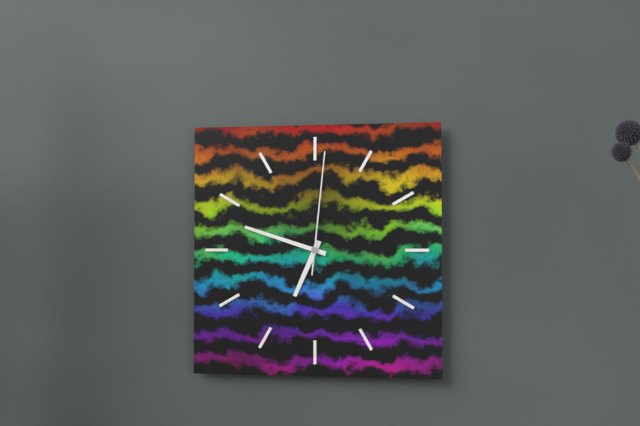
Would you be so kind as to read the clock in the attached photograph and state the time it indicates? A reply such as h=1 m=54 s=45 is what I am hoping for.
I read h=6 m=48 s=1
